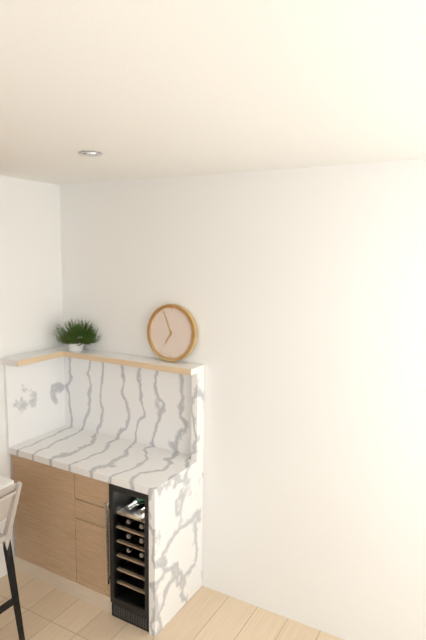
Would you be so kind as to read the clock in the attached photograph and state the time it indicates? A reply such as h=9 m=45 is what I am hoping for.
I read h=6 m=56
